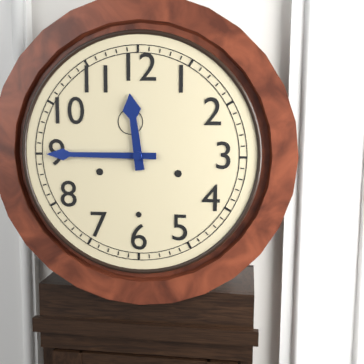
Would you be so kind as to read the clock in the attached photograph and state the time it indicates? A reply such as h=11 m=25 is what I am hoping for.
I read h=11 m=45
